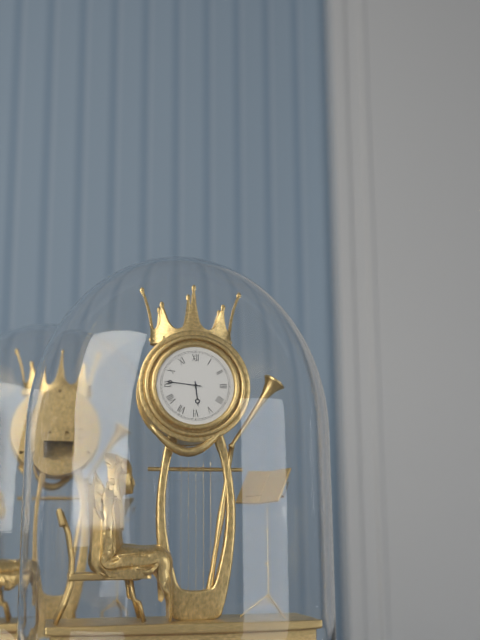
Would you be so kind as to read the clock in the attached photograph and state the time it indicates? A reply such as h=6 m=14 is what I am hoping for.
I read h=5 m=46
